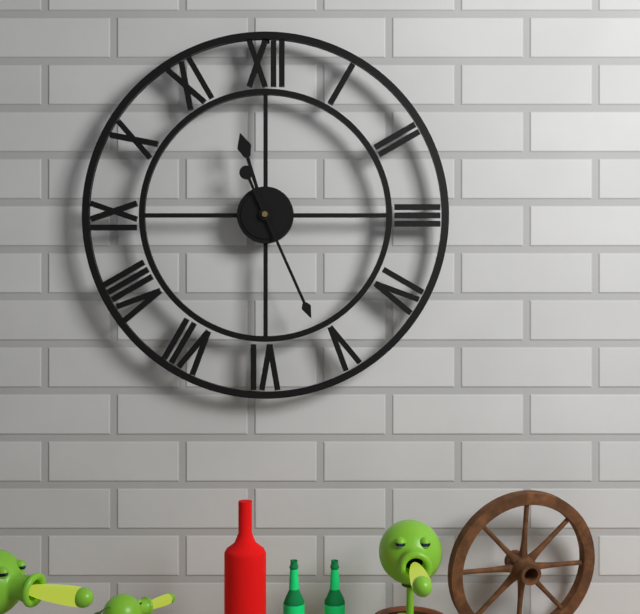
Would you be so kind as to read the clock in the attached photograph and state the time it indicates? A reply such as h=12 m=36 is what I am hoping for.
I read h=11 m=26
